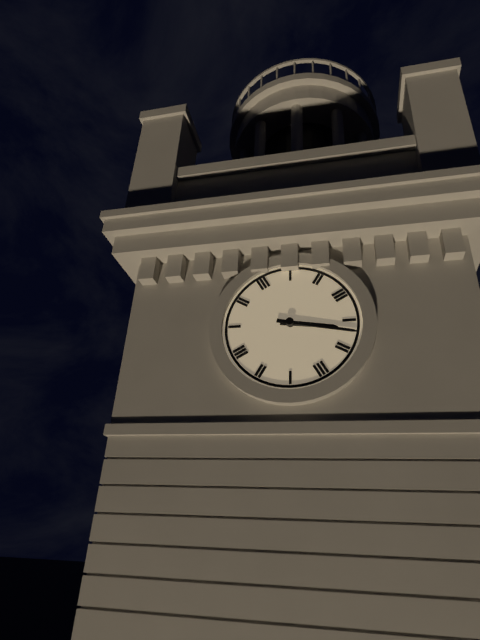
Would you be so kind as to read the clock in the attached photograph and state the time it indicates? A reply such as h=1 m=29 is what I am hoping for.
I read h=3 m=17
